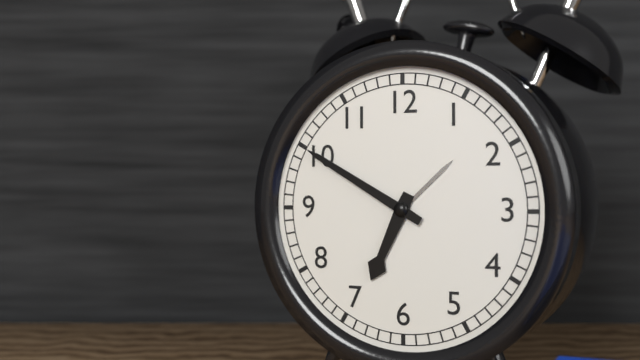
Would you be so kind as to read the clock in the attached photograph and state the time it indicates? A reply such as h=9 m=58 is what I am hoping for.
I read h=6 m=50
